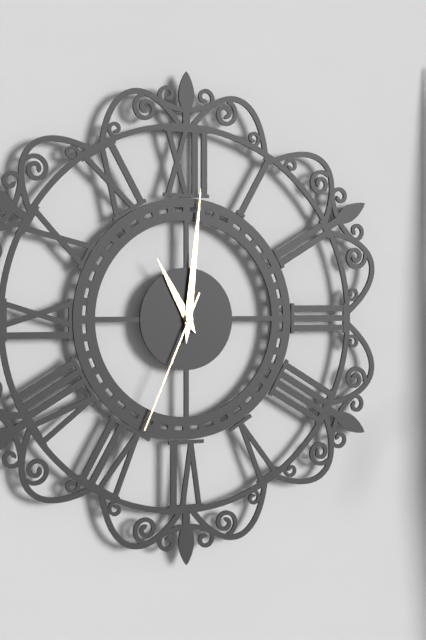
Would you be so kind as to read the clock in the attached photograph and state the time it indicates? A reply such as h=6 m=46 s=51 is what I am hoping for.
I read h=11 m=1 s=34
